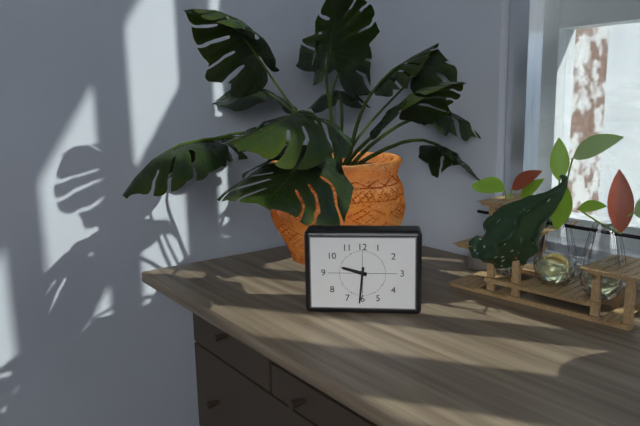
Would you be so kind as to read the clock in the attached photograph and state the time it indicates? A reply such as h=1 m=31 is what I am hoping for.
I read h=9 m=31
